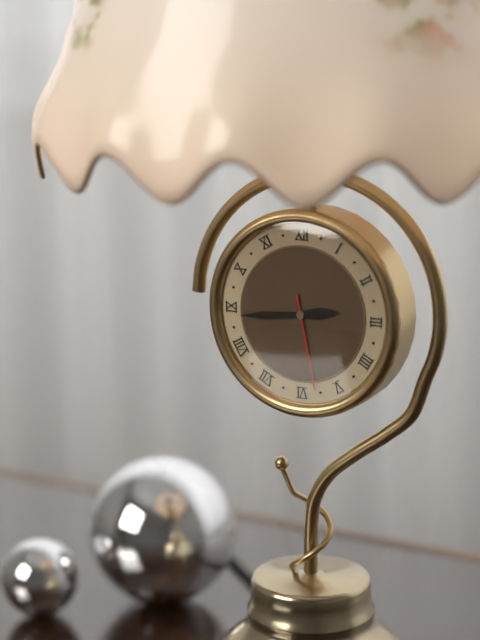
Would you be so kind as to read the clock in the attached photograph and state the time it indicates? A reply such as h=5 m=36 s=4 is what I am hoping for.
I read h=2 m=44 s=28
